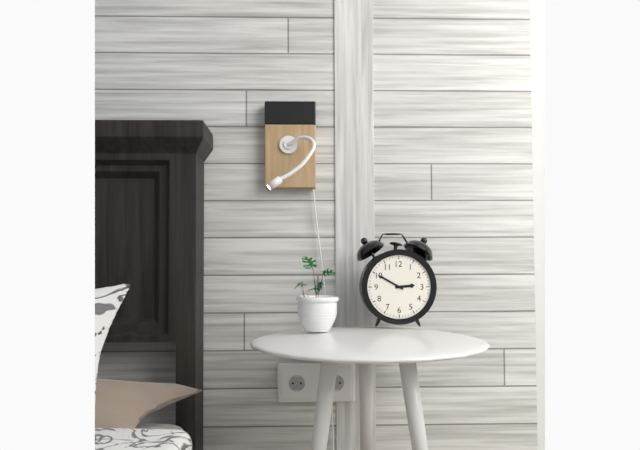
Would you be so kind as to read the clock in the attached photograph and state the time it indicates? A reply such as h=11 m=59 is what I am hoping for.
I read h=2 m=50
